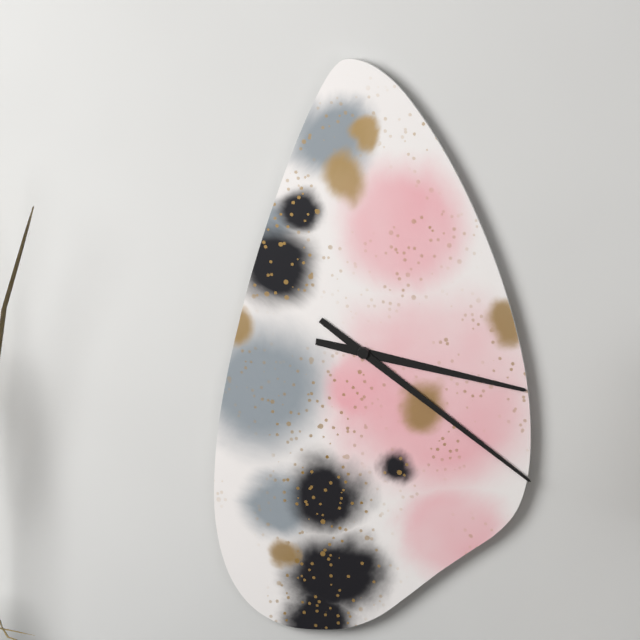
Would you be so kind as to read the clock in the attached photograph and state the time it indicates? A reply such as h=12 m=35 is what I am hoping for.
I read h=3 m=21
